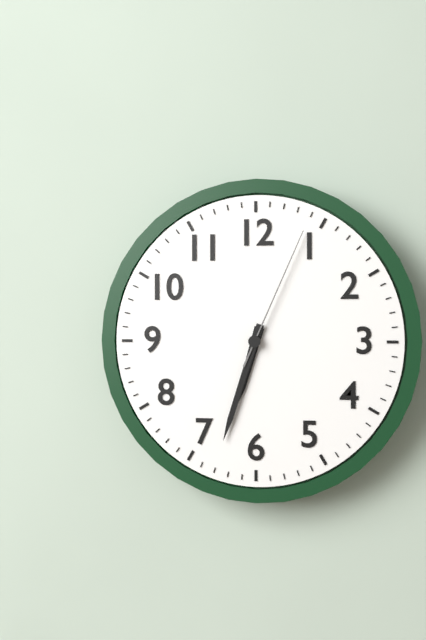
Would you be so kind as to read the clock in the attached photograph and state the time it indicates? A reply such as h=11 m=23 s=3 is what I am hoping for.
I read h=6 m=33 s=4
